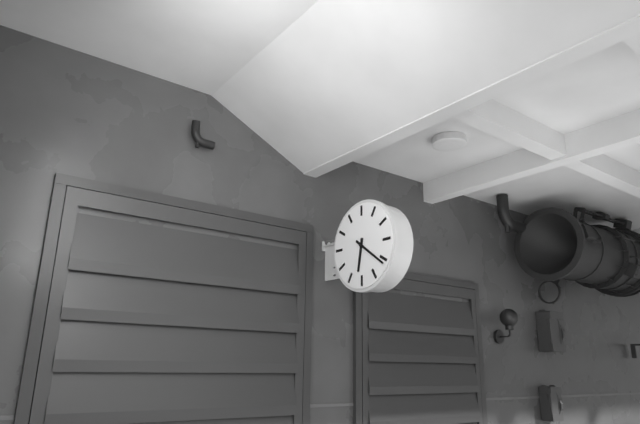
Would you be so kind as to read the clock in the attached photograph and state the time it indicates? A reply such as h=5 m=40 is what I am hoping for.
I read h=6 m=21
